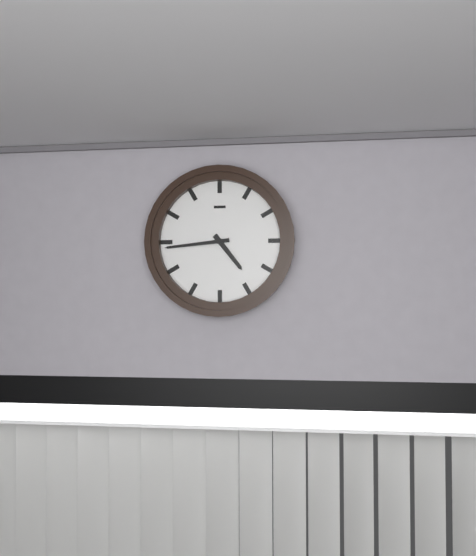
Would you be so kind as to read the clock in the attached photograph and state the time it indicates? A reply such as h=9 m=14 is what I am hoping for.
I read h=4 m=44
